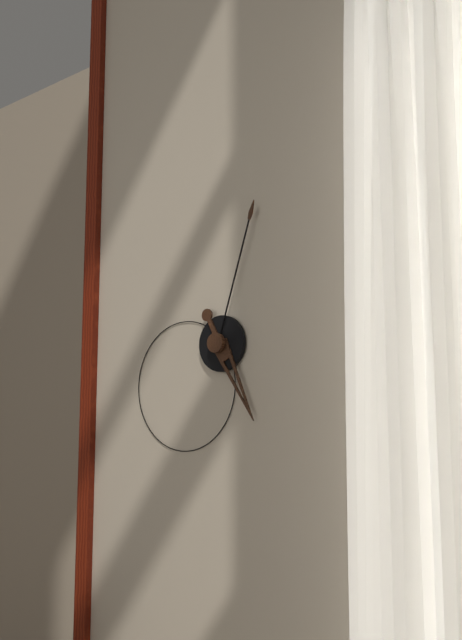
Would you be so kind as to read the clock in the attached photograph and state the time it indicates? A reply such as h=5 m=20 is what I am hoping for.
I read h=5 m=3
